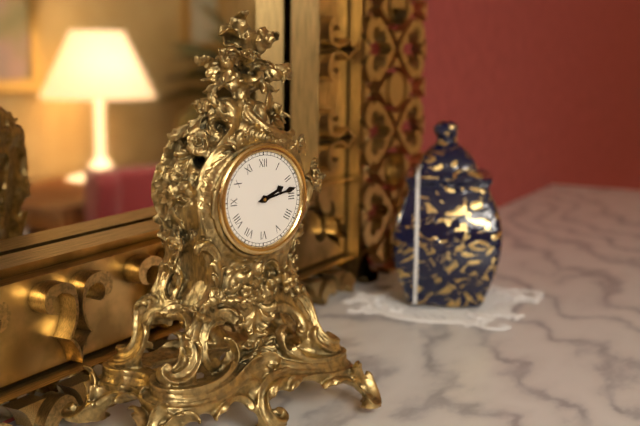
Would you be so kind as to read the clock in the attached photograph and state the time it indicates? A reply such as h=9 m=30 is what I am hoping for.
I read h=2 m=13
